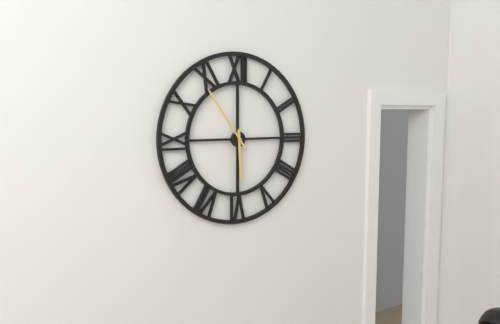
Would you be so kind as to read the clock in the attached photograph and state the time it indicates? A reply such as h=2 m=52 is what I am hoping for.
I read h=5 m=54
